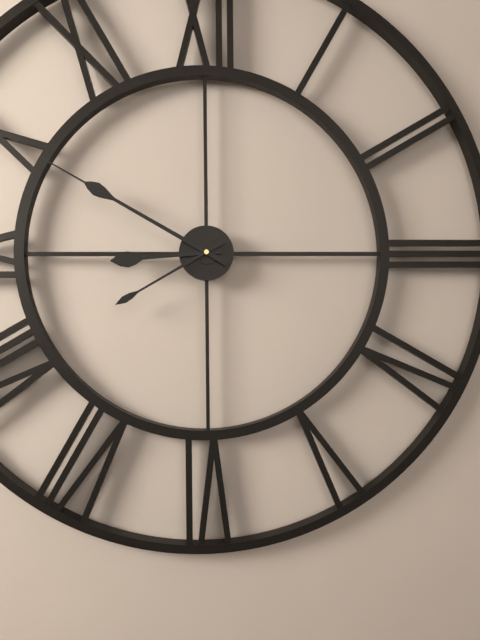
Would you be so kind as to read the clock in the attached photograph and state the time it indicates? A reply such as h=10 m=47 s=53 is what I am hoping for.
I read h=8 m=50 s=40
